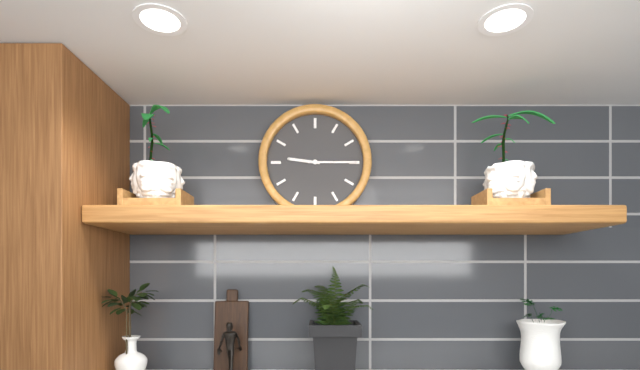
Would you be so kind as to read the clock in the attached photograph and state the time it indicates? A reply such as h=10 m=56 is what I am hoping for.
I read h=9 m=15
